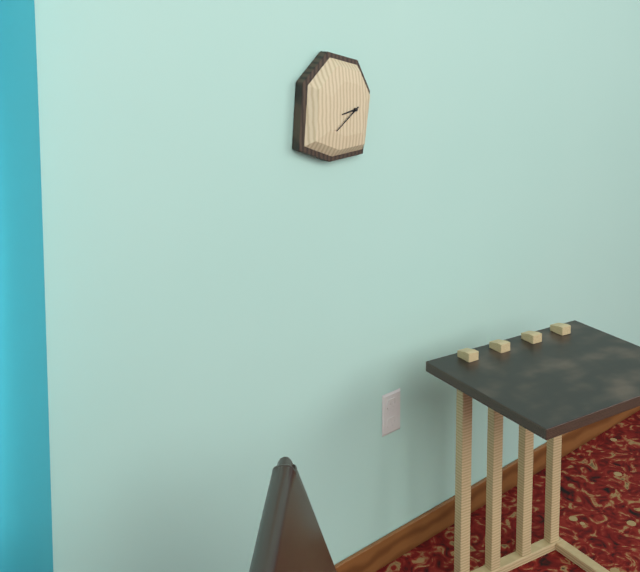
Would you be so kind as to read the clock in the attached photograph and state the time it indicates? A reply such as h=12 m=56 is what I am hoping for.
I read h=8 m=39
